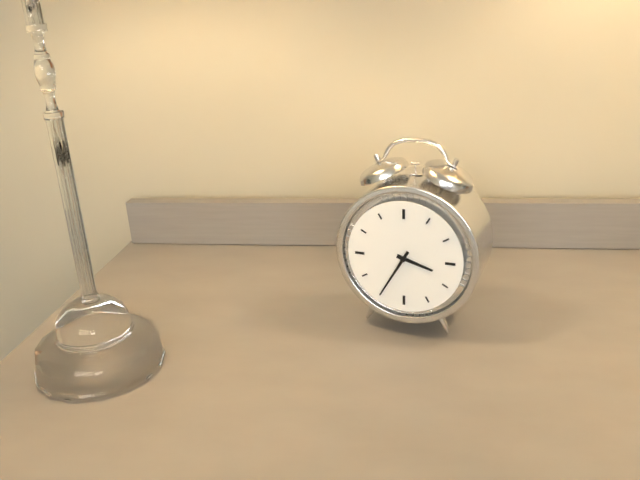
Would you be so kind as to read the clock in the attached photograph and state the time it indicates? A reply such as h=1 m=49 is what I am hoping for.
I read h=3 m=35
